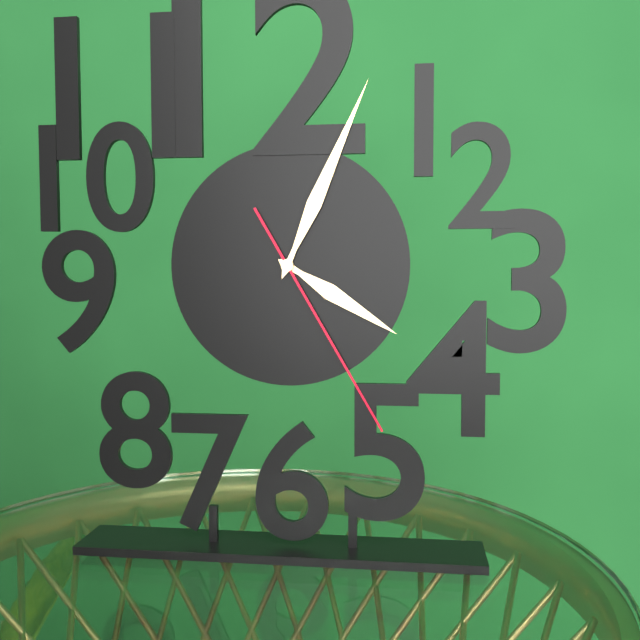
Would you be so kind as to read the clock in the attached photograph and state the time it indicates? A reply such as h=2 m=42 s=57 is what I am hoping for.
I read h=4 m=4 s=25
